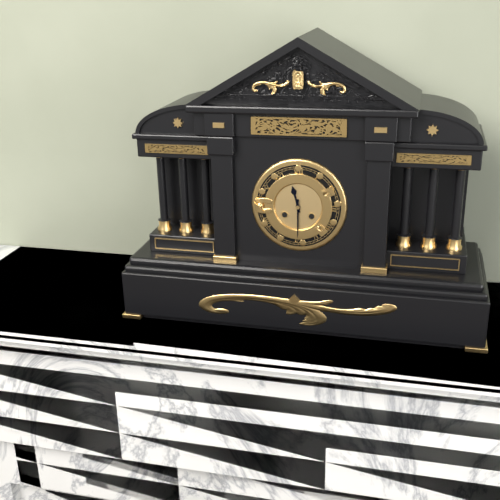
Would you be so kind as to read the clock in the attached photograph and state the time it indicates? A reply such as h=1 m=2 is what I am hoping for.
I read h=11 m=30
